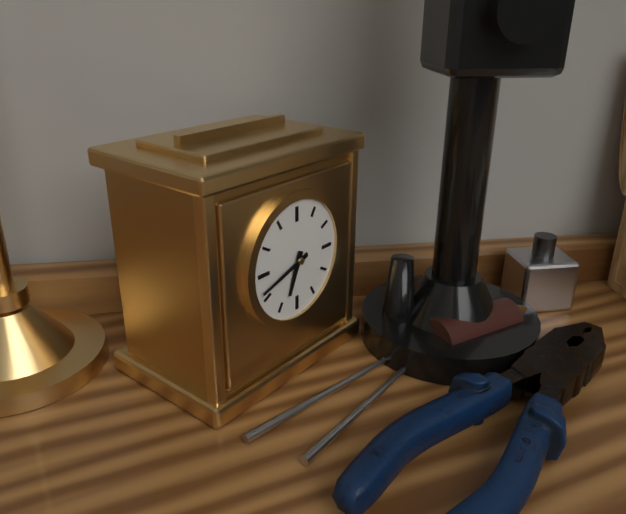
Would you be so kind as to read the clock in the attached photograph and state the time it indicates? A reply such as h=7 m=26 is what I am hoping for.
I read h=6 m=42
